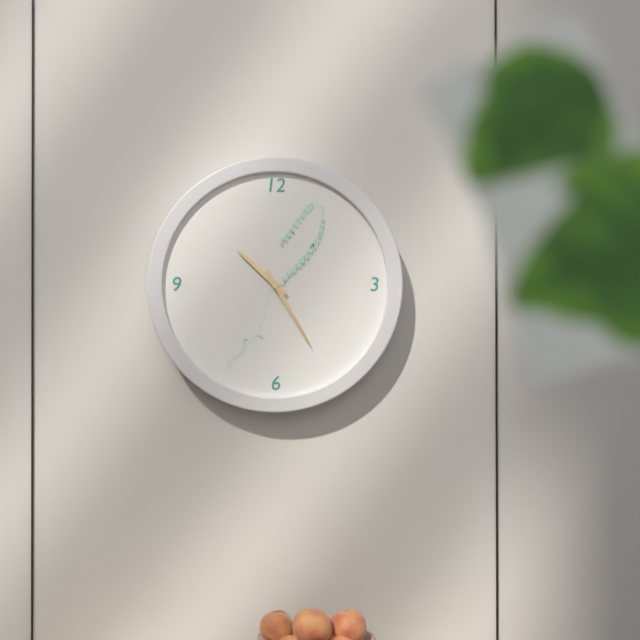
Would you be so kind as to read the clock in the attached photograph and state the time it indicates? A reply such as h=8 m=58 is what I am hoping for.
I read h=10 m=25
